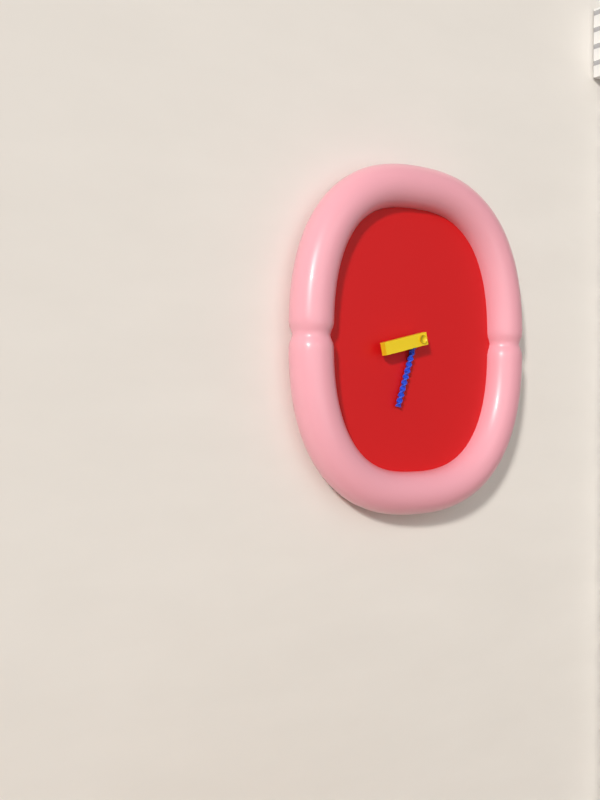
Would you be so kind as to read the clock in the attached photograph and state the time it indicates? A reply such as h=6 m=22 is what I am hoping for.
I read h=8 m=33
